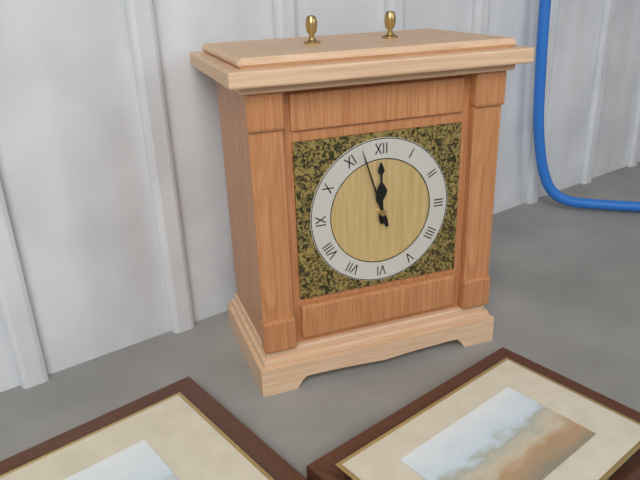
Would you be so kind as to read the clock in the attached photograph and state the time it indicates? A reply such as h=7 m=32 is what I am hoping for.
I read h=11 m=57
